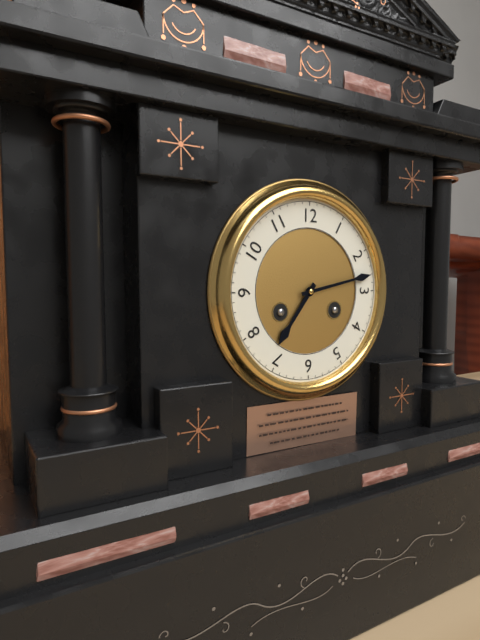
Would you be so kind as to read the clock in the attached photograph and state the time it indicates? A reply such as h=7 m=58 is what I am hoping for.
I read h=7 m=13
